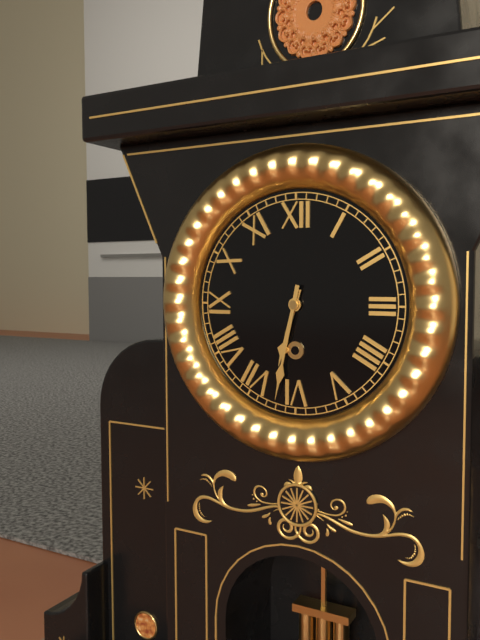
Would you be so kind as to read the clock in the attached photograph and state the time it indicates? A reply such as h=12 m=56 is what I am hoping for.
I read h=6 m=32
